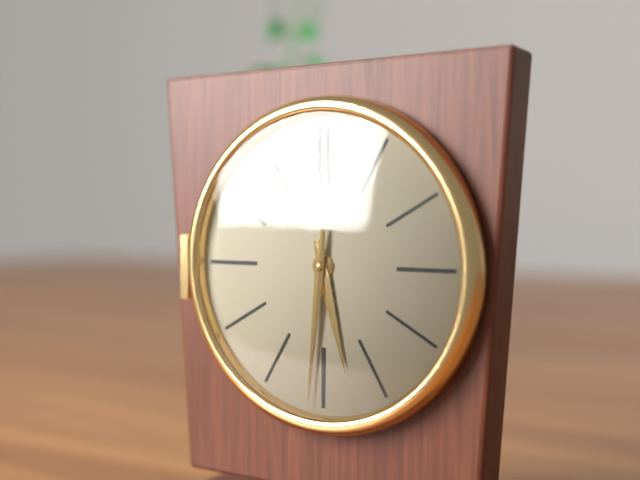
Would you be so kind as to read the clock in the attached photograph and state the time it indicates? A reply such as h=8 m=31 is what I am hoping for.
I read h=5 m=31
